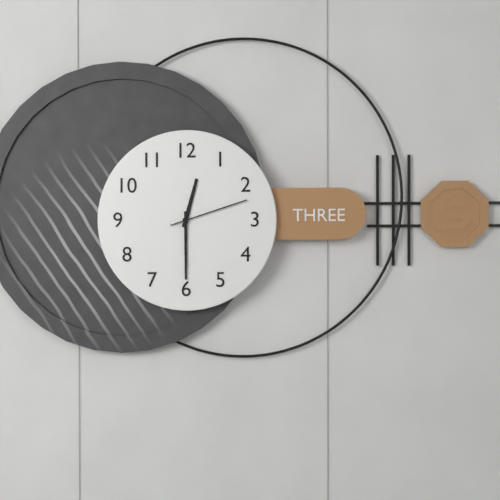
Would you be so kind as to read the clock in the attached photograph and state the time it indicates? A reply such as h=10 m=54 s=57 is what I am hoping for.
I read h=12 m=30 s=12
